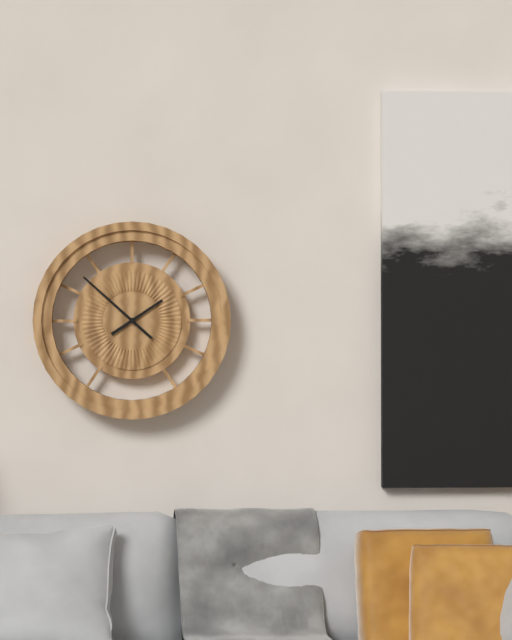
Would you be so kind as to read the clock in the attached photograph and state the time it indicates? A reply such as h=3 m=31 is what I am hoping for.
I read h=1 m=52
